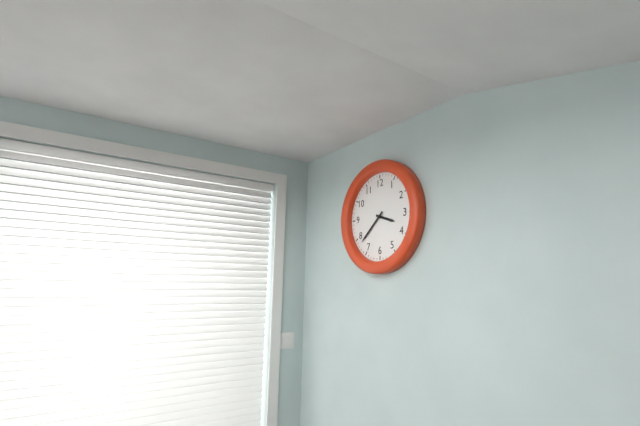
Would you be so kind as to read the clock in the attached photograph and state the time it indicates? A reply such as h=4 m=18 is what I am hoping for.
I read h=3 m=38
